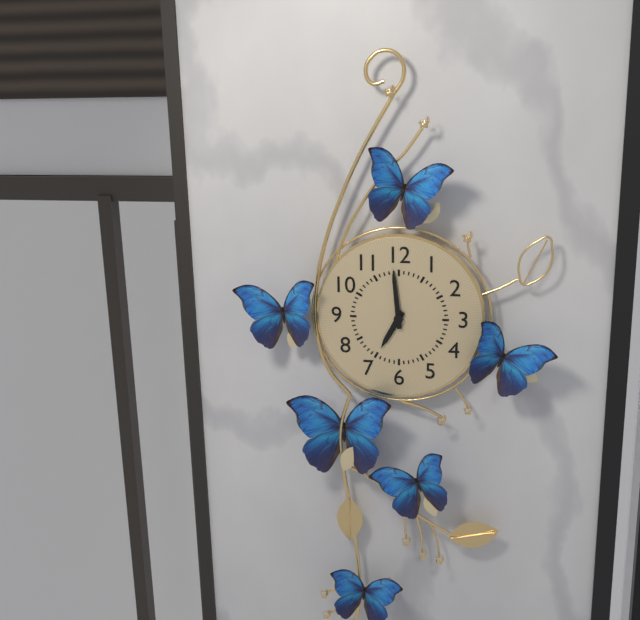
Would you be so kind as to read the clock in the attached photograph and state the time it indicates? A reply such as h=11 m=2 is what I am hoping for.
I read h=6 m=59
